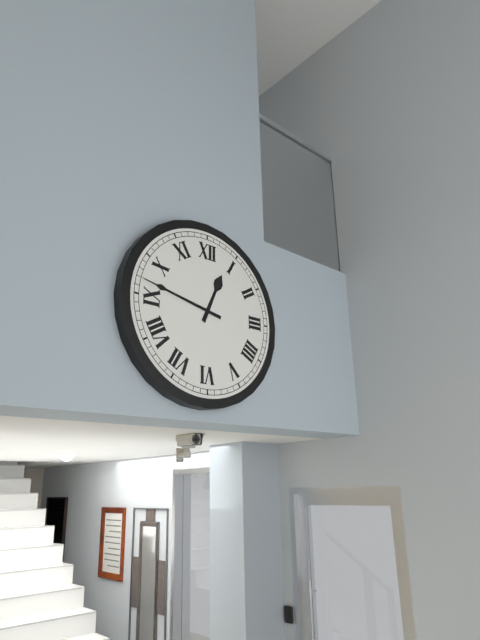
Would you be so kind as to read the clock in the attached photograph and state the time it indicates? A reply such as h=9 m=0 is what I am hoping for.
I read h=12 m=47
